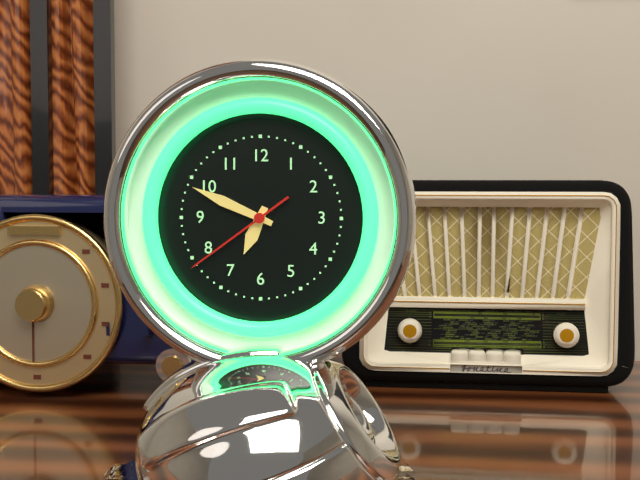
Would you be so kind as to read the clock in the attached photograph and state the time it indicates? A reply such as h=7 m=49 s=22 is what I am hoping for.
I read h=6 m=49 s=39
